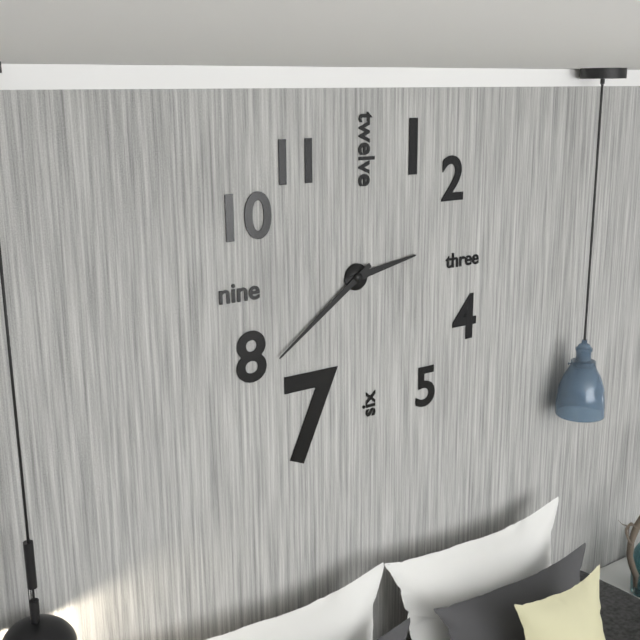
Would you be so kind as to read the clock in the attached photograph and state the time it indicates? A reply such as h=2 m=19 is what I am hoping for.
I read h=2 m=39
